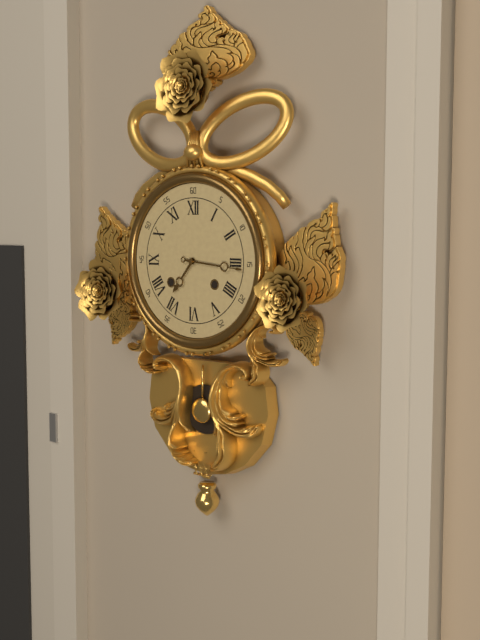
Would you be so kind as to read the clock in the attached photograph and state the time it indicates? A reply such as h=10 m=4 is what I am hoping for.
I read h=7 m=16
